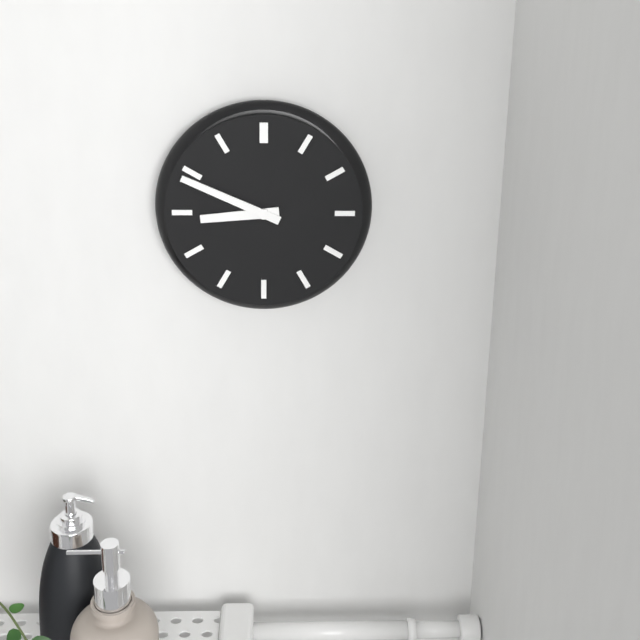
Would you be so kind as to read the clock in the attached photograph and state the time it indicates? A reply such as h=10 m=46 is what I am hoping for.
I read h=8 m=49
